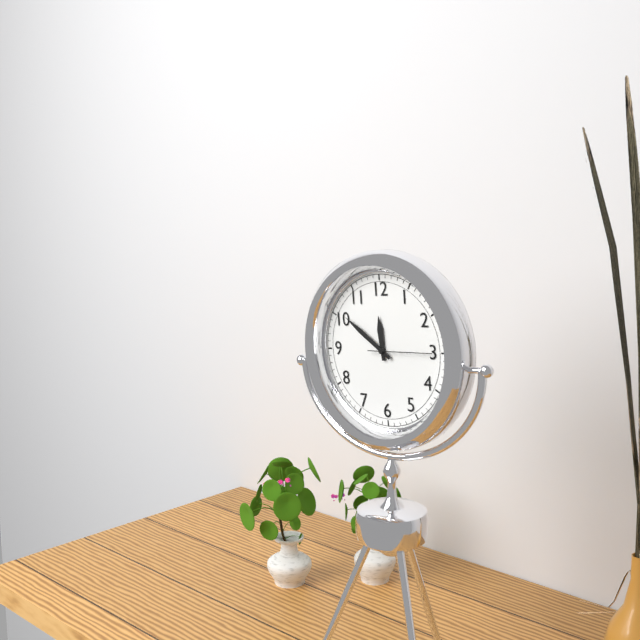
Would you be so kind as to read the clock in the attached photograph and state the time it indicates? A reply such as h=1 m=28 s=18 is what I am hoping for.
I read h=11 m=51 s=15
